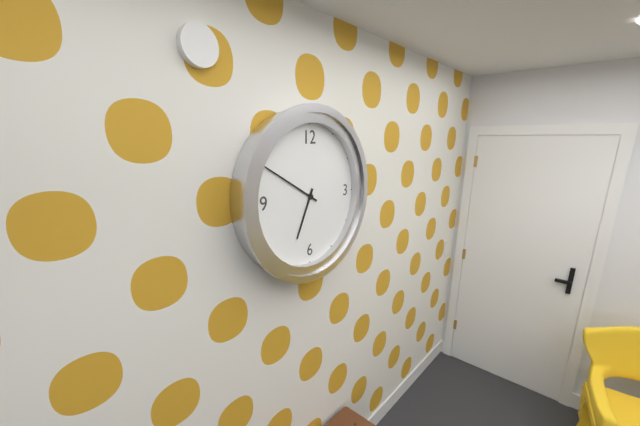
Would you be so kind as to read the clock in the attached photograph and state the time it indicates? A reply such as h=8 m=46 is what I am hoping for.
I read h=6 m=50
